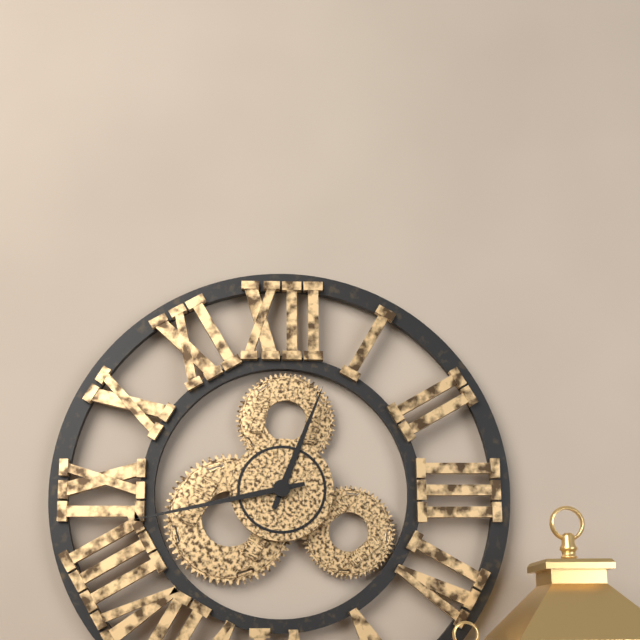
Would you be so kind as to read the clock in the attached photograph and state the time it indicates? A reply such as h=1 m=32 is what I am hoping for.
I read h=12 m=43
